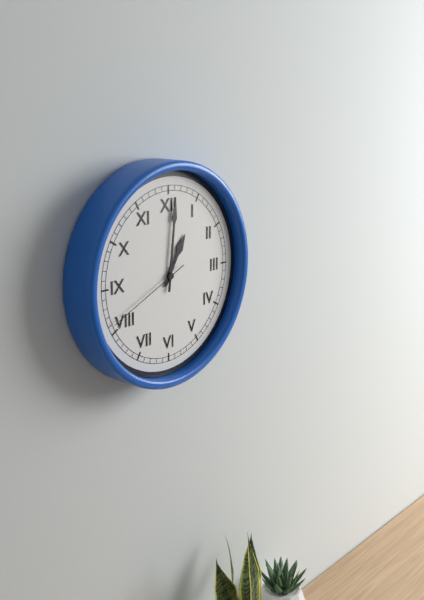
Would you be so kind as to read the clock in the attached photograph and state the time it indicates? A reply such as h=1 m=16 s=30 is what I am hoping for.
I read h=1 m=1 s=41
